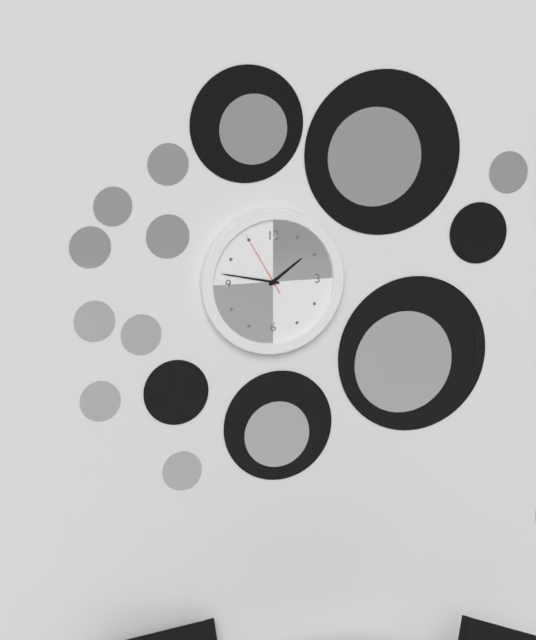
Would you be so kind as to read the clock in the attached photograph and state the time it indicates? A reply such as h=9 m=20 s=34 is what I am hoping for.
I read h=1 m=47 s=55
